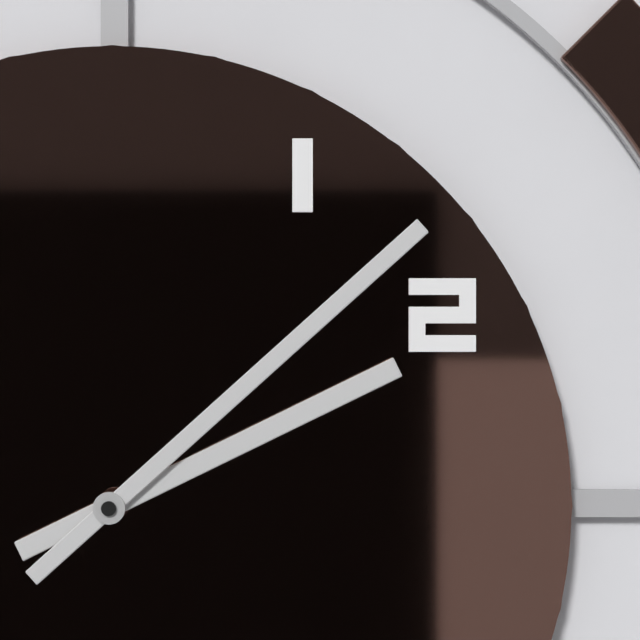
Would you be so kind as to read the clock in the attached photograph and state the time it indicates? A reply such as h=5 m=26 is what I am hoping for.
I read h=2 m=8
